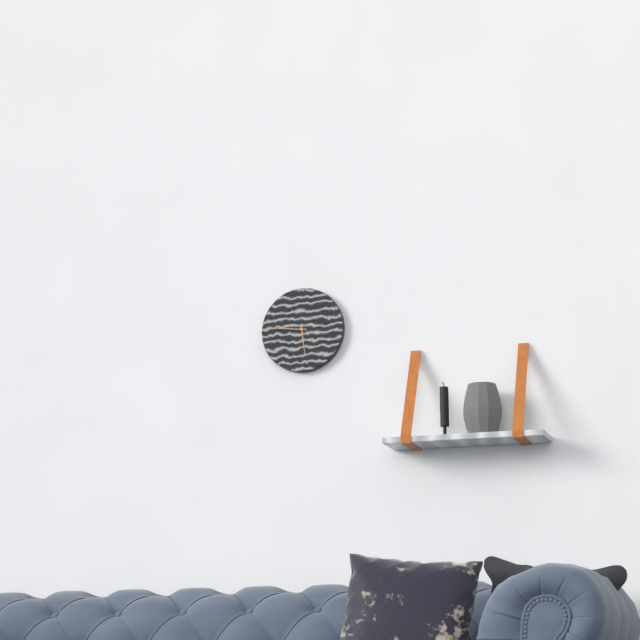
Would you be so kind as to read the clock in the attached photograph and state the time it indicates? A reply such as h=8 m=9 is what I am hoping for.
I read h=5 m=46
